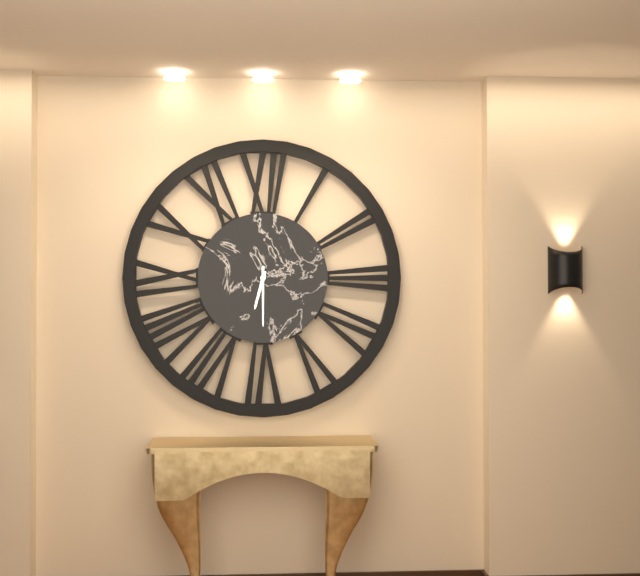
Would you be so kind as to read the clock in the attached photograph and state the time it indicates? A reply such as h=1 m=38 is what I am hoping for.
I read h=6 m=30
